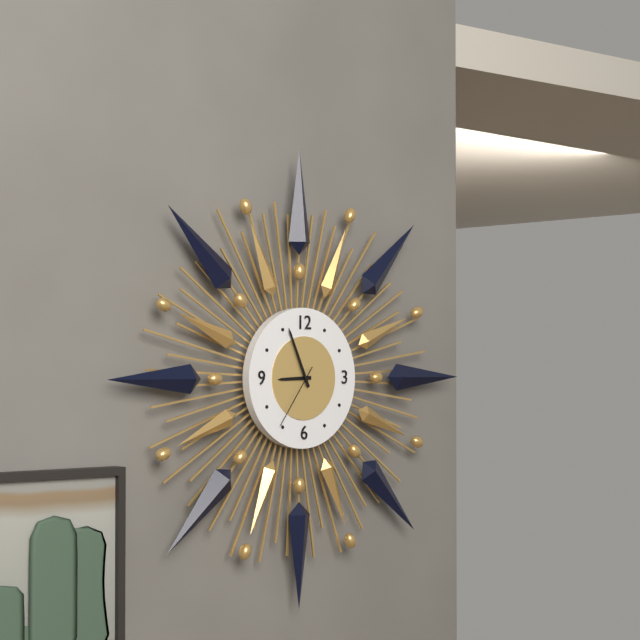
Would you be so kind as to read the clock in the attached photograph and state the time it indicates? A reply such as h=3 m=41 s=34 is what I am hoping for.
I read h=8 m=56 s=36
